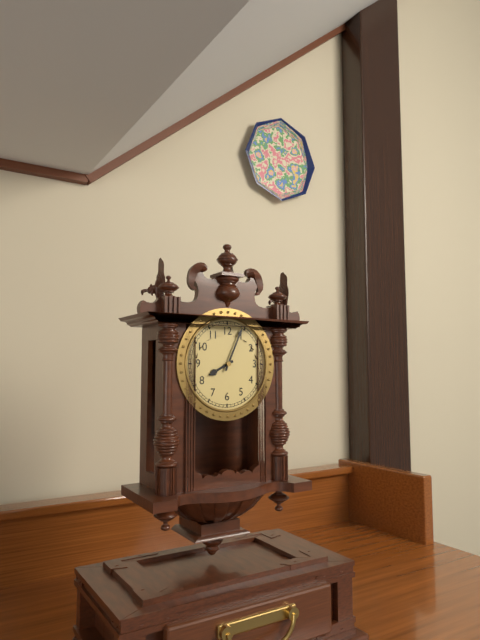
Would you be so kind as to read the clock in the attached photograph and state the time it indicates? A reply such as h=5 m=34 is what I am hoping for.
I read h=8 m=4
